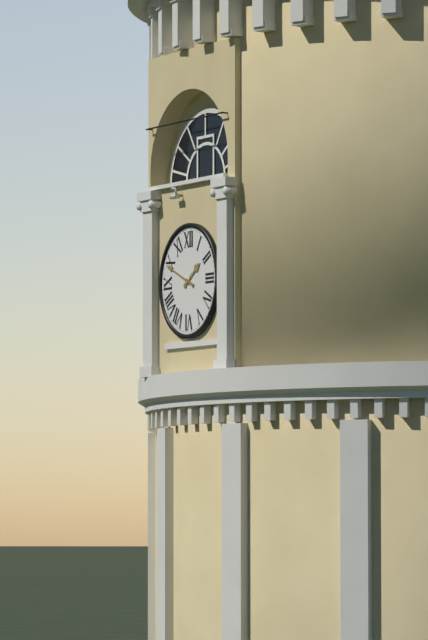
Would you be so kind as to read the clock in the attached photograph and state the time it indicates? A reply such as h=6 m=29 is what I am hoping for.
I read h=1 m=49
